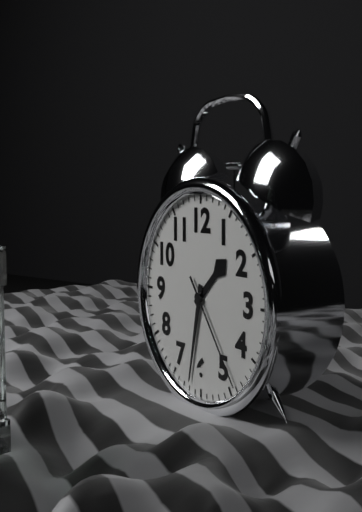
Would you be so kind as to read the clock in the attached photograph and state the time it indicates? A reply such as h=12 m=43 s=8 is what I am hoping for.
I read h=1 m=32 s=24
